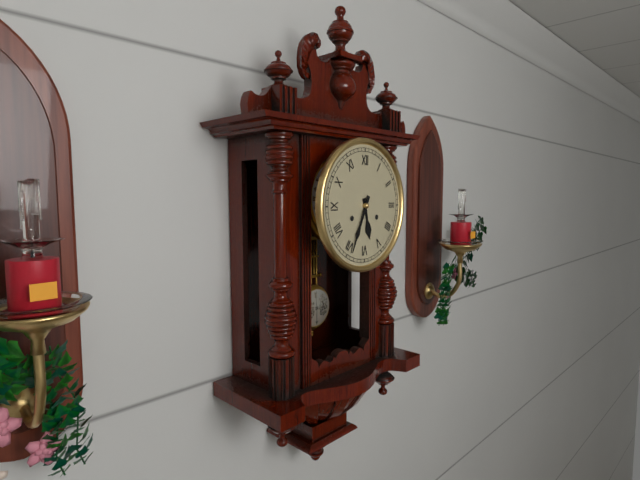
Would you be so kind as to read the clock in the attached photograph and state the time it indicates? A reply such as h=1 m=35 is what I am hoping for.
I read h=5 m=34
